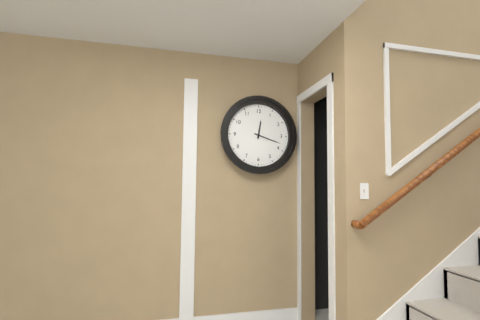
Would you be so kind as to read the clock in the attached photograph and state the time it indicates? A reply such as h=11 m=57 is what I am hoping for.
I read h=12 m=18
